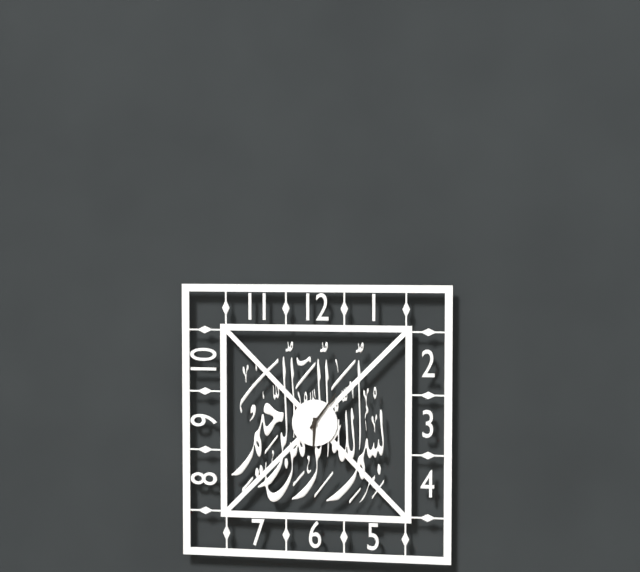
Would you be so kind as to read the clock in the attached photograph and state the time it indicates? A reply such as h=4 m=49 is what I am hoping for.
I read h=6 m=6
